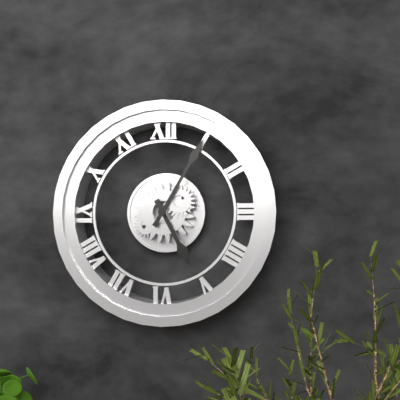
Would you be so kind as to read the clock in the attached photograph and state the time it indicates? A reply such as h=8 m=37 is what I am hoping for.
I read h=5 m=5
